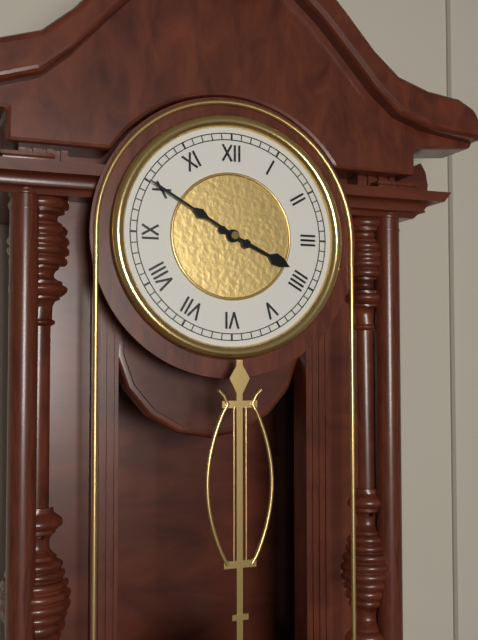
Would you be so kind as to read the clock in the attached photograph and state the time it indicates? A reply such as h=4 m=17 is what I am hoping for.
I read h=3 m=50
